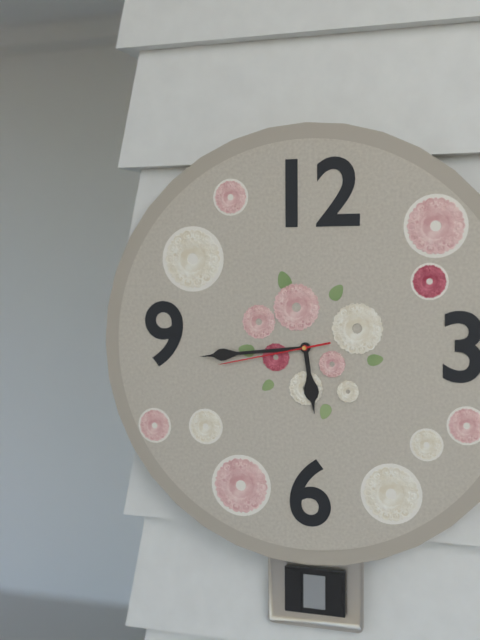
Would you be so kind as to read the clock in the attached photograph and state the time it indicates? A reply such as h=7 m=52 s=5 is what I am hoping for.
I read h=5 m=44 s=43
